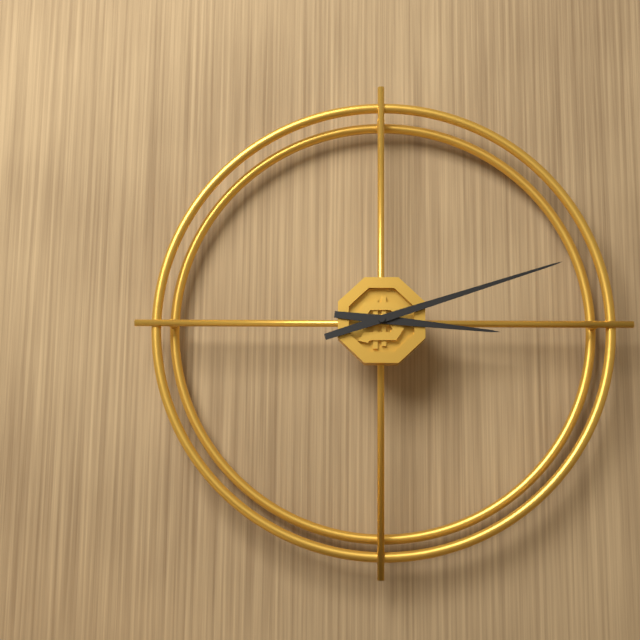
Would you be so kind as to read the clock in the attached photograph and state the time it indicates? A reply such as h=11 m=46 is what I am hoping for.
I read h=3 m=12
